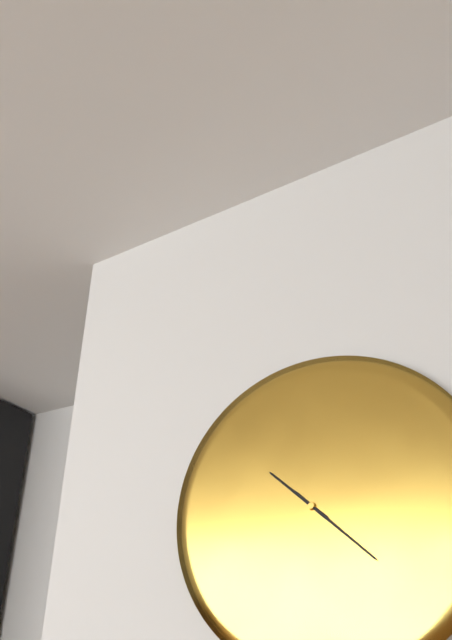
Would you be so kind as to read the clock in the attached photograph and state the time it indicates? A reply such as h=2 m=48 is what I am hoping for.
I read h=10 m=22
